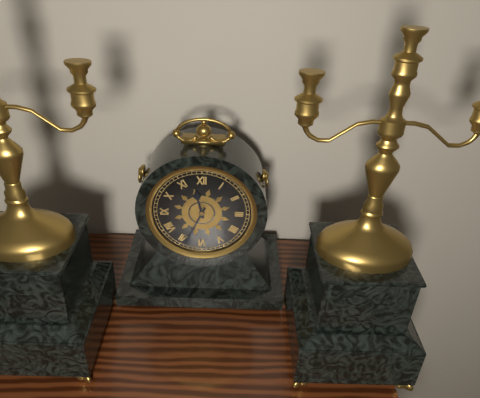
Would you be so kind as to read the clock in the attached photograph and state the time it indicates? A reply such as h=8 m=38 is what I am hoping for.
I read h=11 m=34
